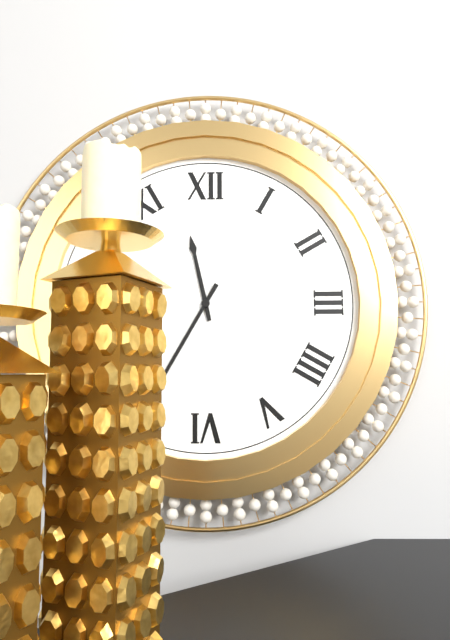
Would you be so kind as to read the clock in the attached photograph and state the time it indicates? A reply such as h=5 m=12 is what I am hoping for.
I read h=11 m=35
